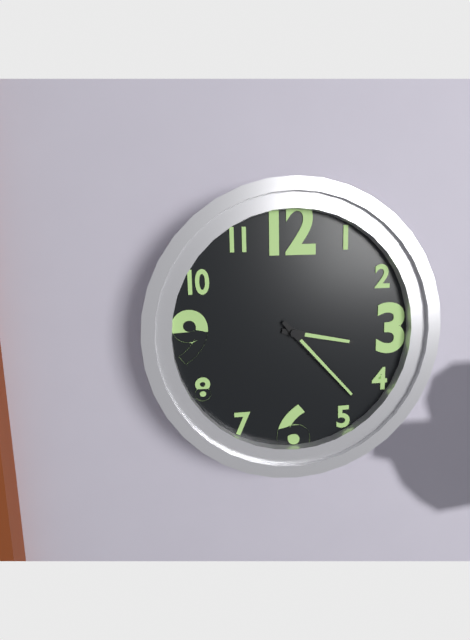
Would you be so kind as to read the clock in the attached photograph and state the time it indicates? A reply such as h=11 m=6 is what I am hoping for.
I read h=3 m=23
